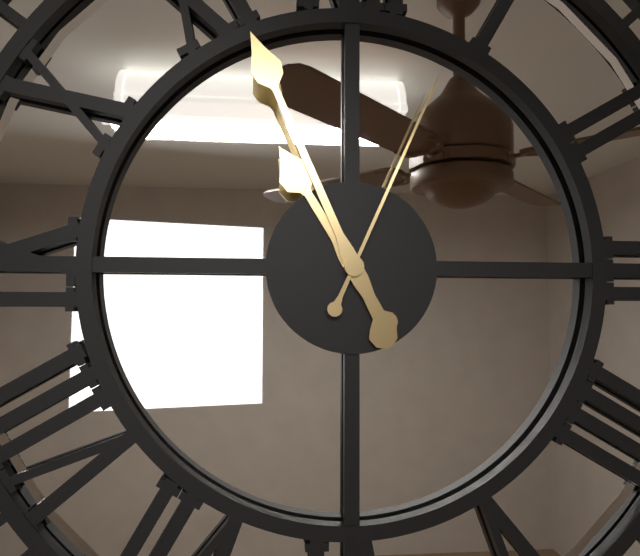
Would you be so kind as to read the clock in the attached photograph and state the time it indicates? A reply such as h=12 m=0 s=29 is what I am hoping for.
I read h=10 m=56 s=4
